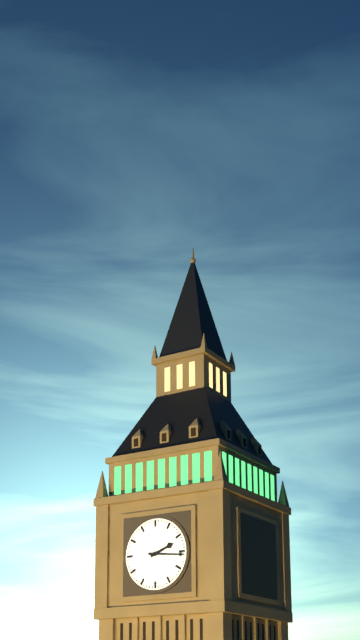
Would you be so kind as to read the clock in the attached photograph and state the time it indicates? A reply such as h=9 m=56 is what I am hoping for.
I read h=2 m=16
